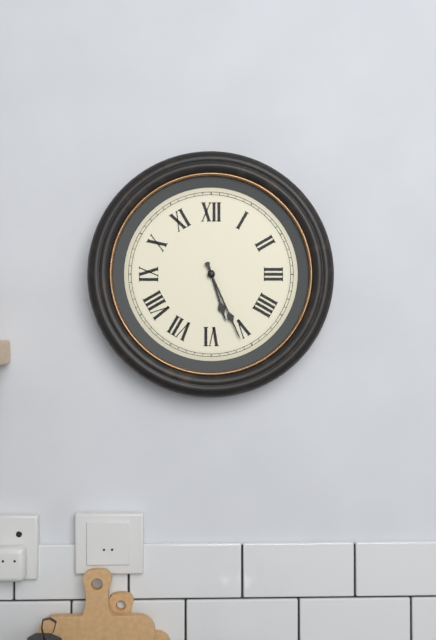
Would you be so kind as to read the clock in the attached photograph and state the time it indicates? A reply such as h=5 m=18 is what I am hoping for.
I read h=5 m=26
